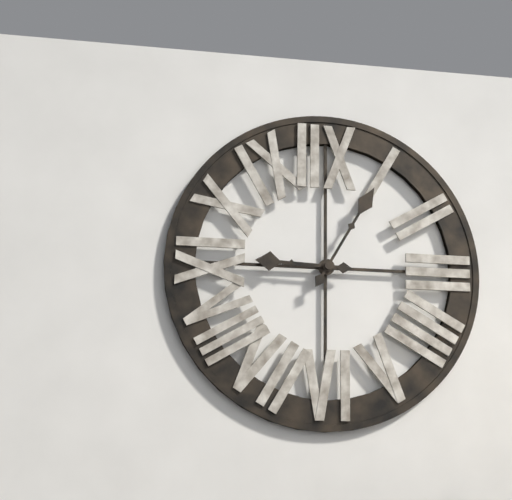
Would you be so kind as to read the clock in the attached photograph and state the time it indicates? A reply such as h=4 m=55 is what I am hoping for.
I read h=9 m=5
